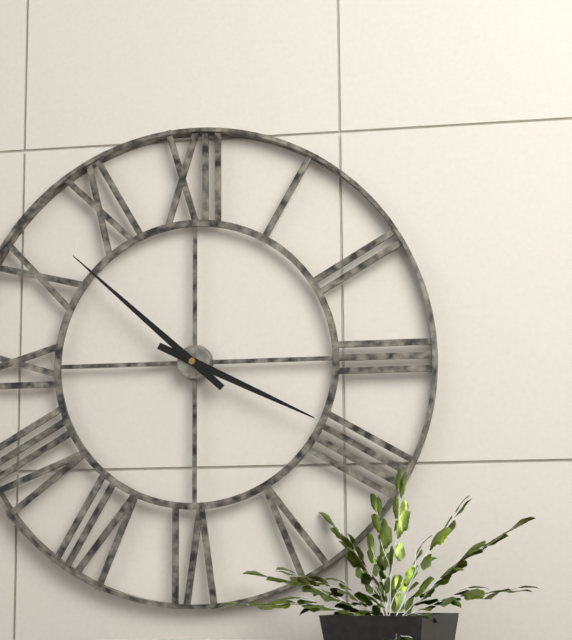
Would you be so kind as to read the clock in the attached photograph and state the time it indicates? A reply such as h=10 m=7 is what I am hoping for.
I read h=3 m=52
